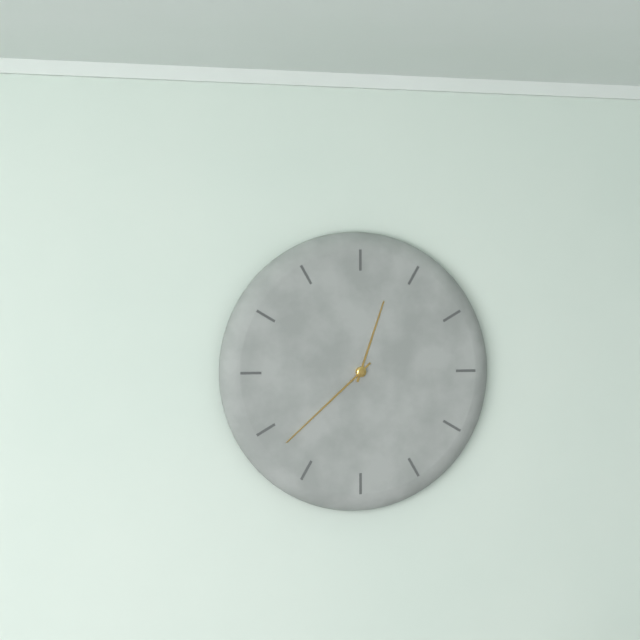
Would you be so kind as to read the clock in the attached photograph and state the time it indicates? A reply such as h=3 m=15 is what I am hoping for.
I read h=12 m=38
